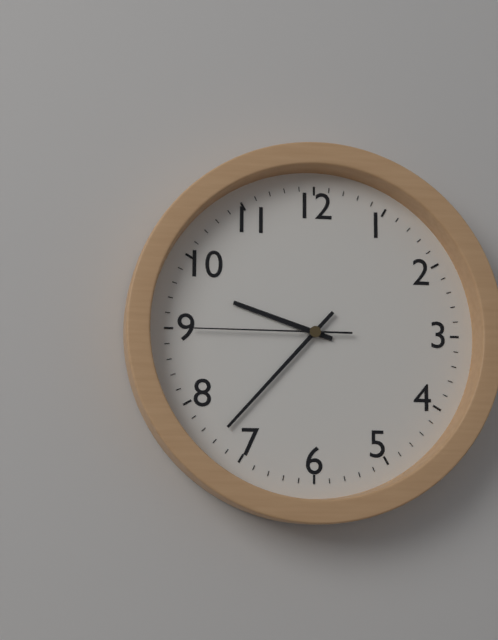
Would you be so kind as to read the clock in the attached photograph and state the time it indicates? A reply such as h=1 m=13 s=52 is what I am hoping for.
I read h=9 m=37 s=45
